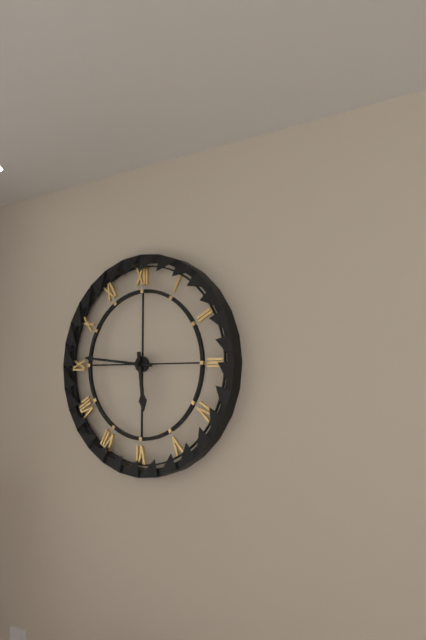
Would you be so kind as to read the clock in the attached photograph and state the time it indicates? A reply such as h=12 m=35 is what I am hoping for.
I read h=5 m=46
